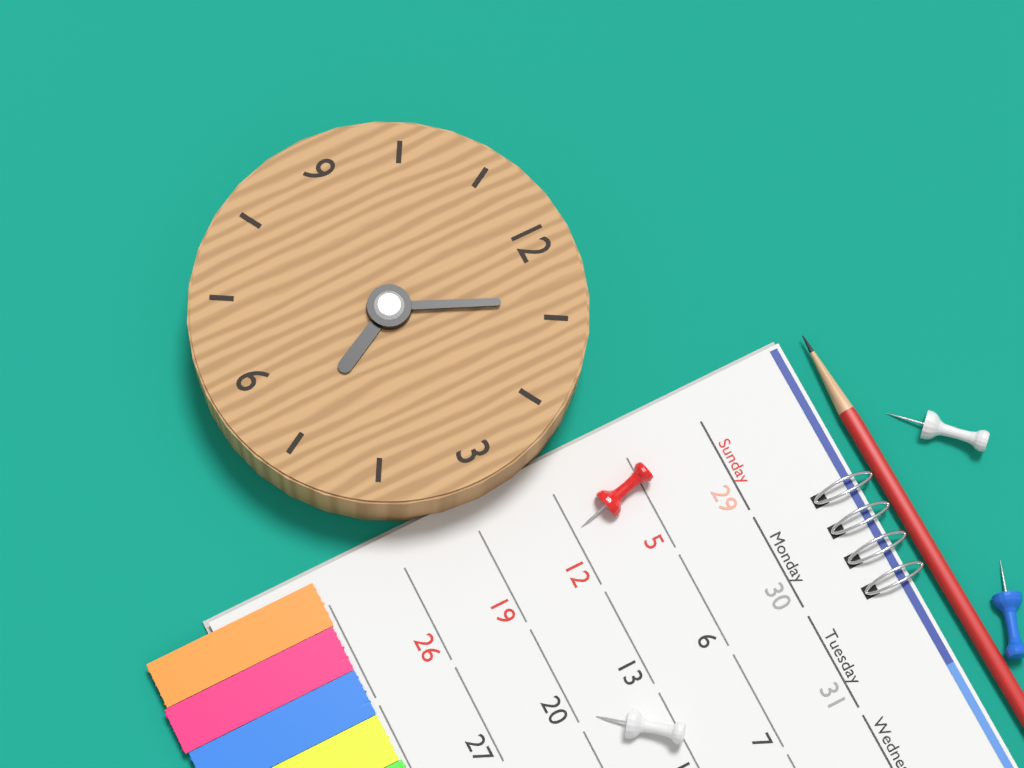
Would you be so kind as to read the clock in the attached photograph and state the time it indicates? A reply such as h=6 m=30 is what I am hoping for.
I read h=5 m=4
